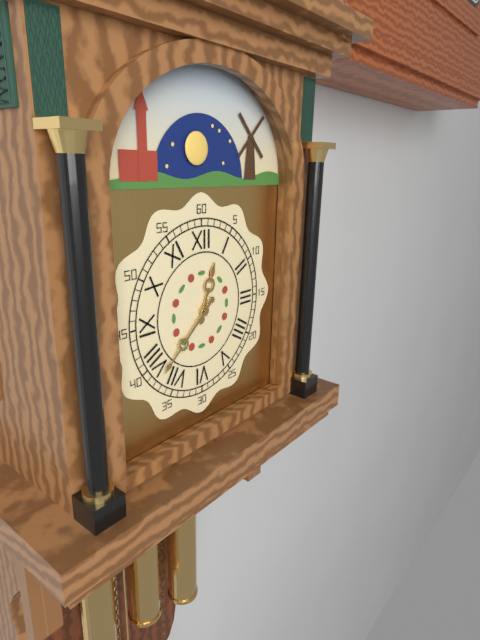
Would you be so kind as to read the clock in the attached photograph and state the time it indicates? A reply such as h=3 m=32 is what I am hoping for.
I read h=12 m=38
